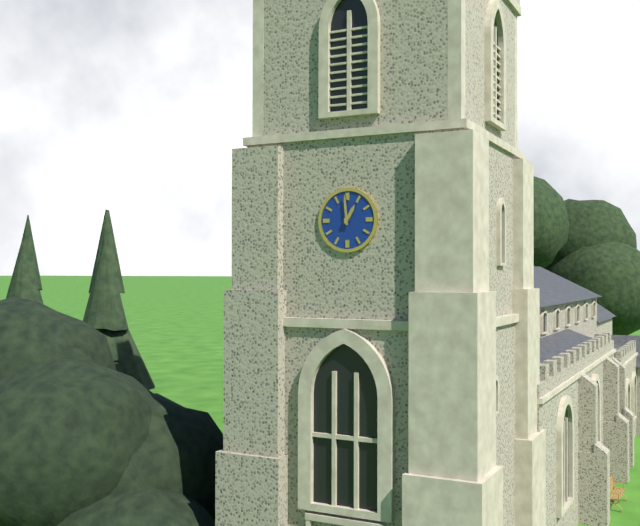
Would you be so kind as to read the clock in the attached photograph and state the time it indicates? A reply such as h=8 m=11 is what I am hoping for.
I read h=12 m=59
